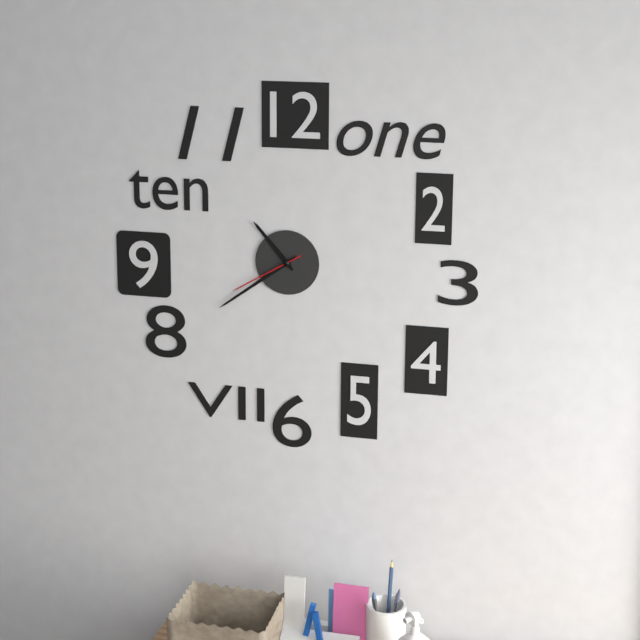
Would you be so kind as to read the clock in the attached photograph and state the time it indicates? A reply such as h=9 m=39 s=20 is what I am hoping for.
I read h=10 m=39 s=40
